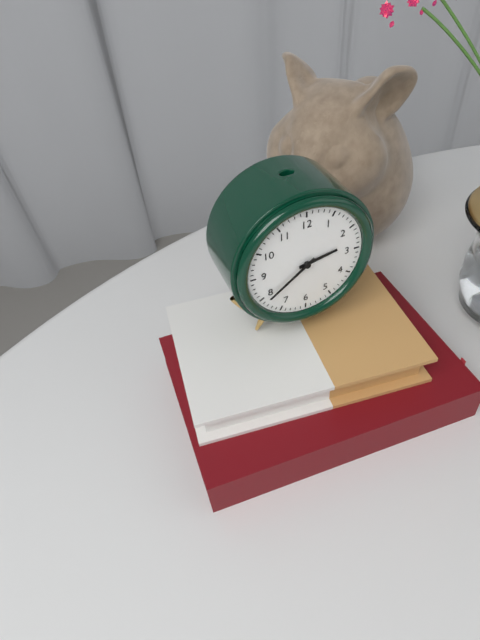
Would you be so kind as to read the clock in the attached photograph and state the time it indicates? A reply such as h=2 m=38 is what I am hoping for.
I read h=2 m=39
